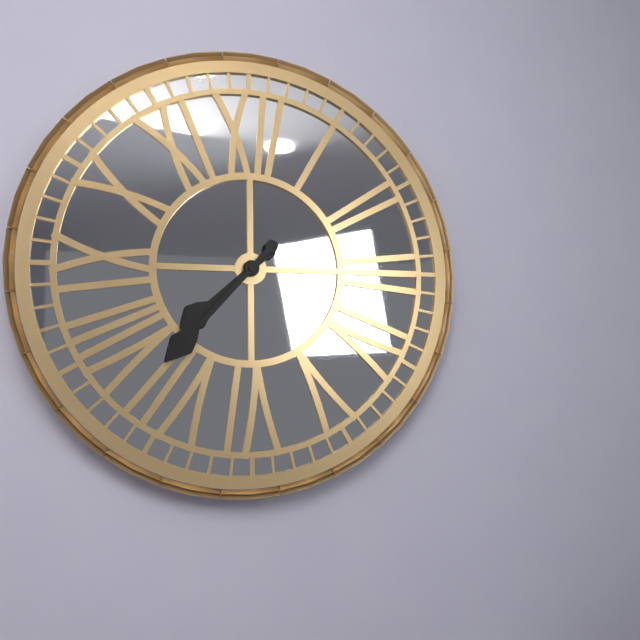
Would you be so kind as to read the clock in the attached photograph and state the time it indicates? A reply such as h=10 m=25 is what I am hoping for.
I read h=7 m=37
